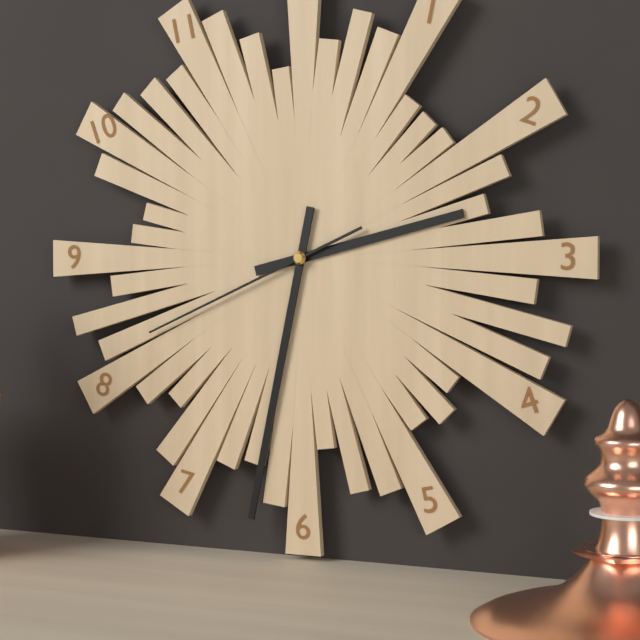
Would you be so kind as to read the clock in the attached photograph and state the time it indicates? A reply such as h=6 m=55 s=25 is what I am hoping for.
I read h=2 m=32 s=41
